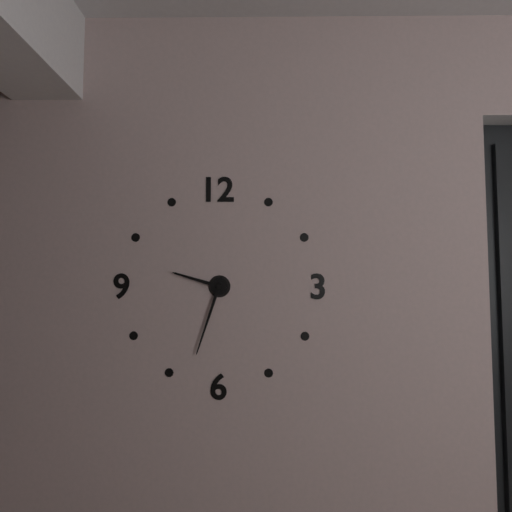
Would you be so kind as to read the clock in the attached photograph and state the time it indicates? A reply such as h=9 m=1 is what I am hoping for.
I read h=9 m=33
